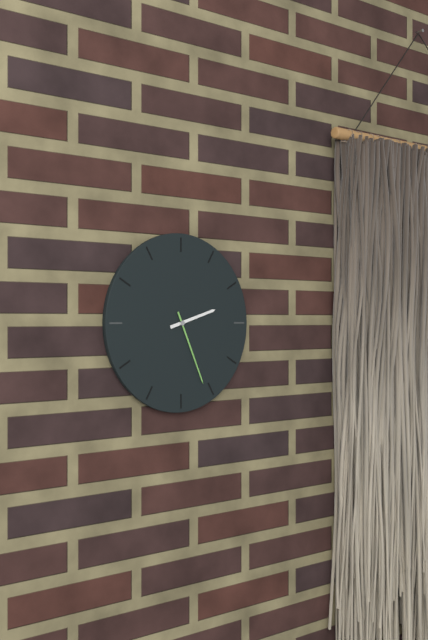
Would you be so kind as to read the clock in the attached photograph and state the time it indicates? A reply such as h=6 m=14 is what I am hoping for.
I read h=2 m=26
